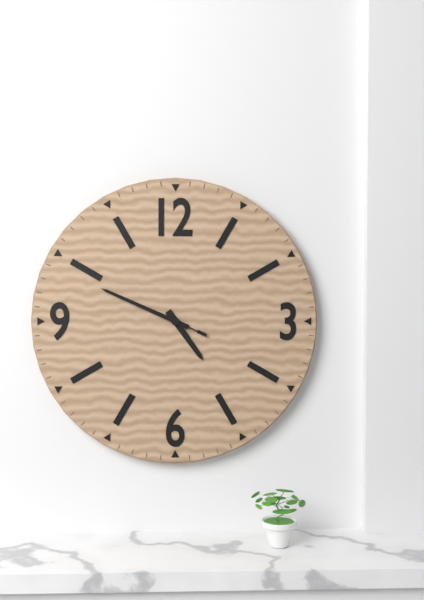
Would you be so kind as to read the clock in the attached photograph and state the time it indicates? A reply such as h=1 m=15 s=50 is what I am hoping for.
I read h=4 m=49 s=49
